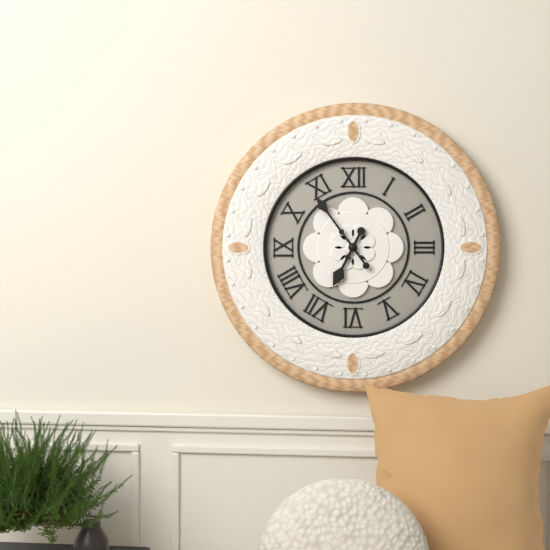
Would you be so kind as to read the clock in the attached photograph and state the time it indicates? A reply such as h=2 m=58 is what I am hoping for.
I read h=6 m=54
